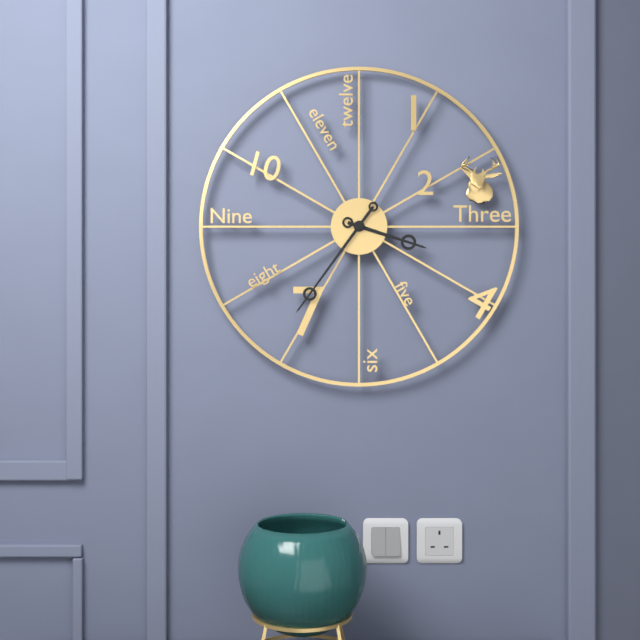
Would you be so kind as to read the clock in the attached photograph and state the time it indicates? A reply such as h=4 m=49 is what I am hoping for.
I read h=3 m=36
